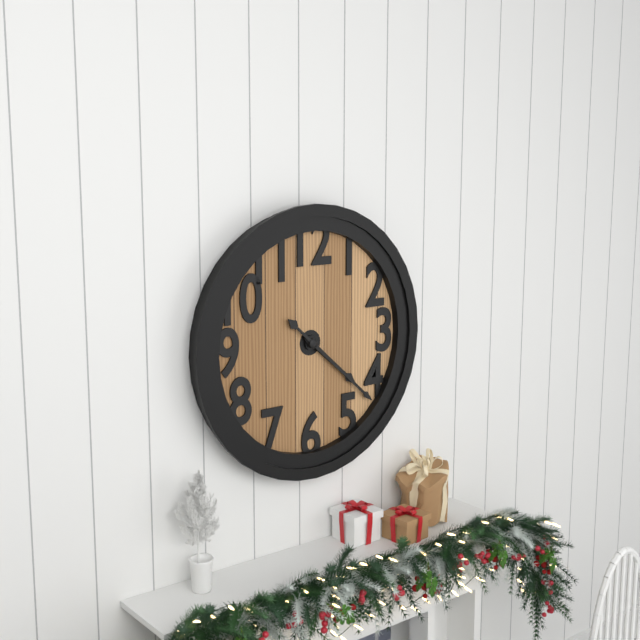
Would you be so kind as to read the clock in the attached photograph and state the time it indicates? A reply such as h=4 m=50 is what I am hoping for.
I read h=4 m=22
